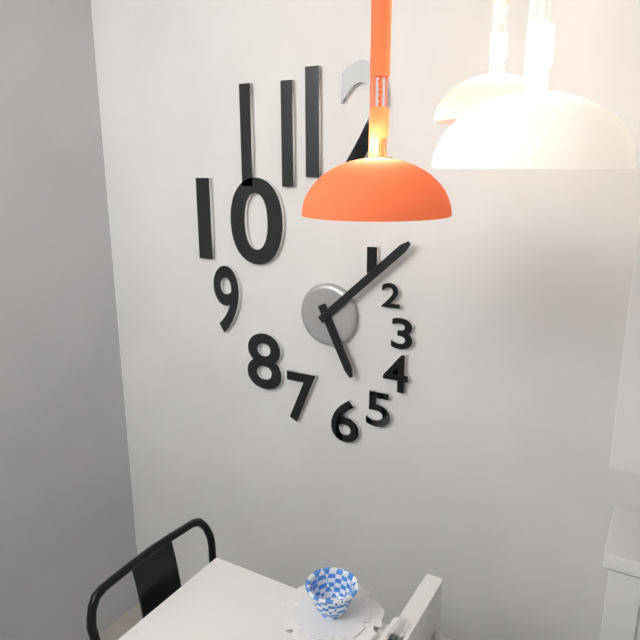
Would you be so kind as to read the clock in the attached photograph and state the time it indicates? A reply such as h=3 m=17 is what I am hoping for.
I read h=5 m=8
